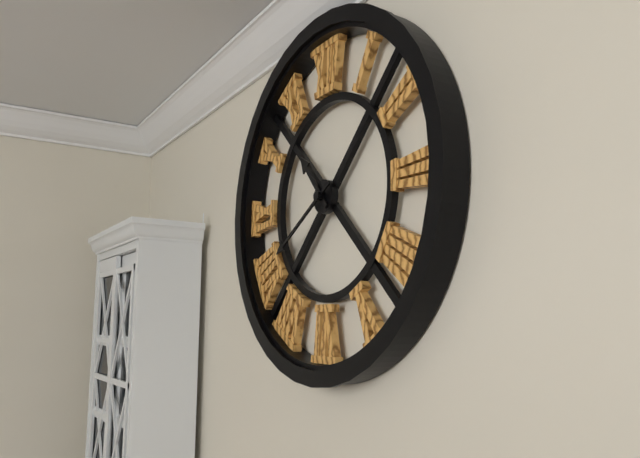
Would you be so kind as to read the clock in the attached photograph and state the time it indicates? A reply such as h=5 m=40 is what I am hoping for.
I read h=10 m=40
